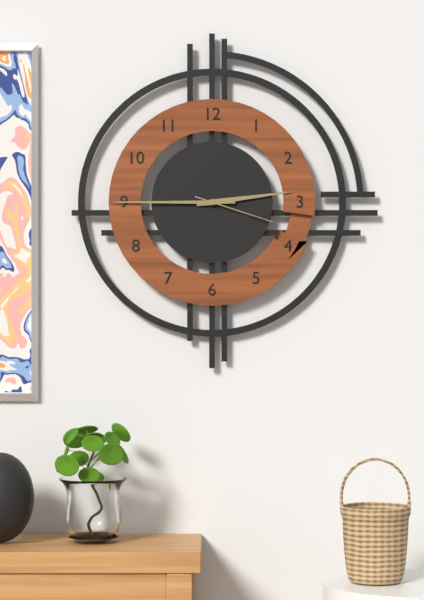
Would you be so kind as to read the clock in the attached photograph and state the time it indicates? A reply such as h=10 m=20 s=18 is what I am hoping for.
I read h=2 m=45 s=18
